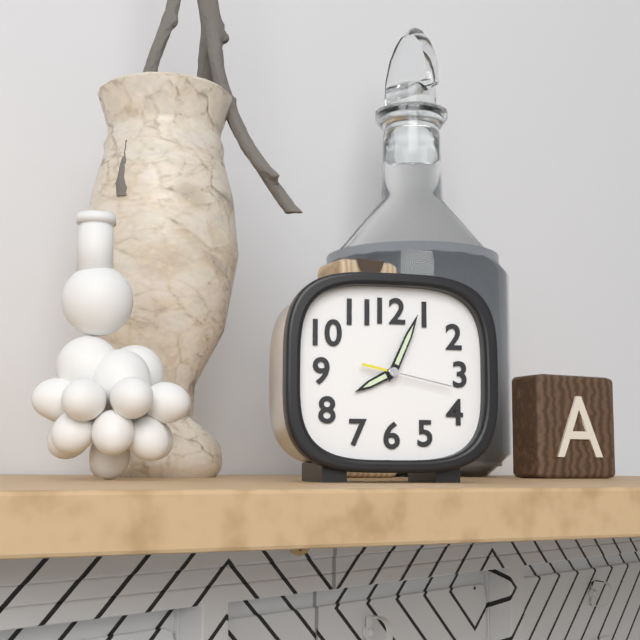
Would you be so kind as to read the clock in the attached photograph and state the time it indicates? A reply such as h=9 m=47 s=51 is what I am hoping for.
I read h=8 m=4 s=17
